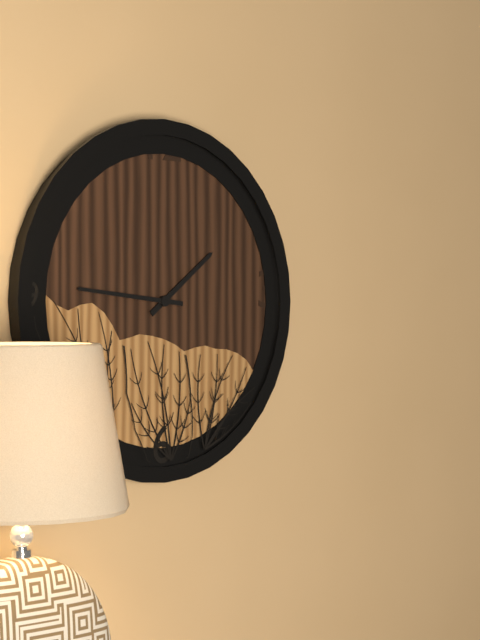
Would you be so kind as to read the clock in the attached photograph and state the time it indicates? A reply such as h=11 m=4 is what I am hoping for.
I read h=1 m=46
